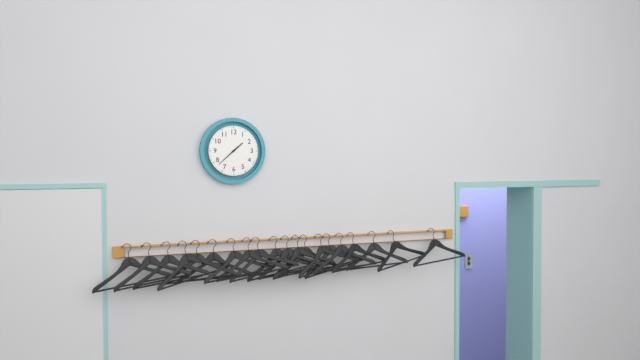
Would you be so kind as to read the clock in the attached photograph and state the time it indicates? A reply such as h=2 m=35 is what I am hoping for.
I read h=1 m=38
